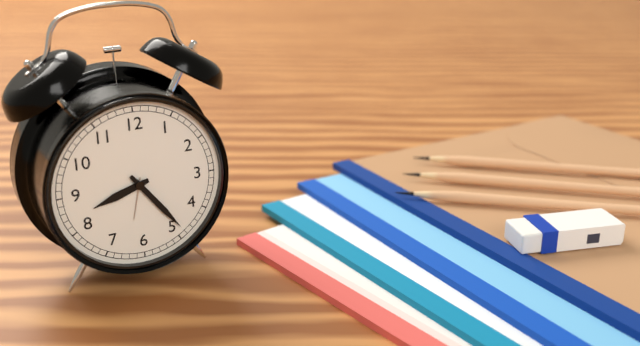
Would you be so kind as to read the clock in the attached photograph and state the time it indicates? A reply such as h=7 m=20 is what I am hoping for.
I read h=8 m=24
